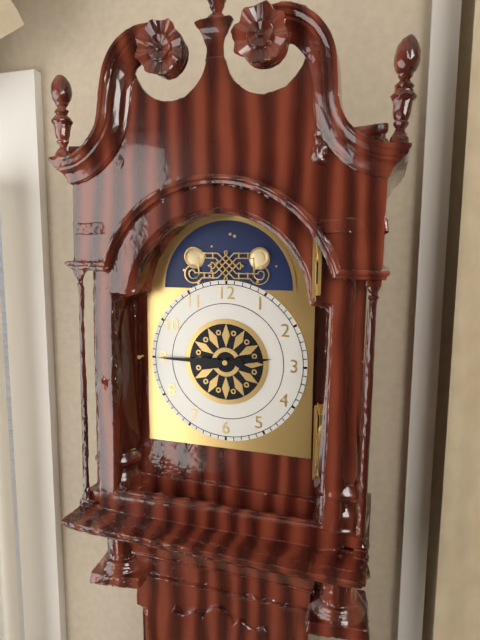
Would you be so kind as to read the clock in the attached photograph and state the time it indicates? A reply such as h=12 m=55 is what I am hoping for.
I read h=2 m=45
